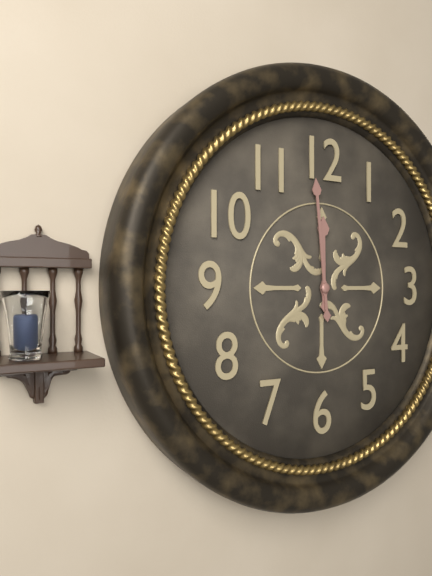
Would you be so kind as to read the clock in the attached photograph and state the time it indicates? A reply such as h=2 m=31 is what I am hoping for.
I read h=11 m=59
